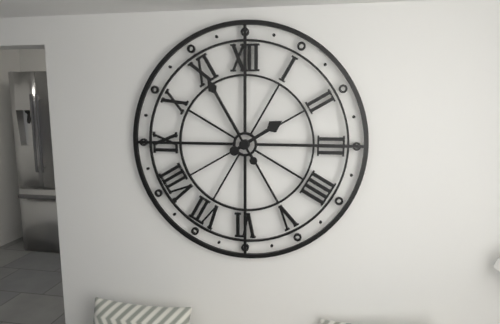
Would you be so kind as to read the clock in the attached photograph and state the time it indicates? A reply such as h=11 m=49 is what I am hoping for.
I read h=1 m=55
